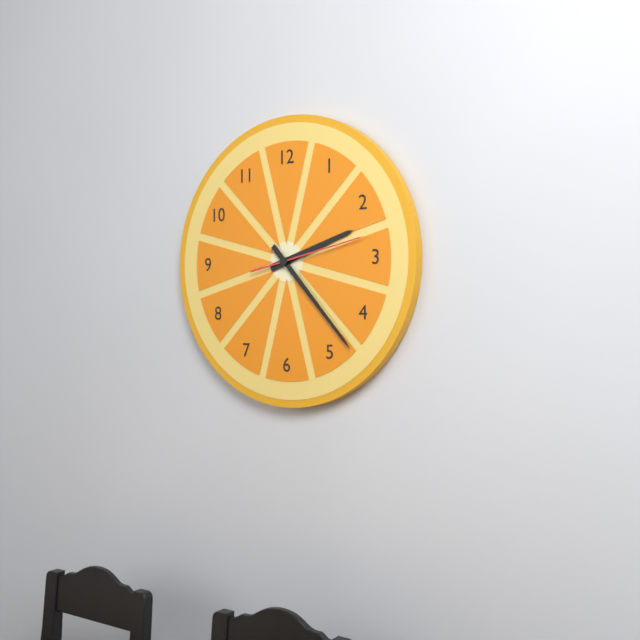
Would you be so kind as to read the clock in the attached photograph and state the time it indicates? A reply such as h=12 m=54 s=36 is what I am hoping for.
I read h=2 m=23 s=13
